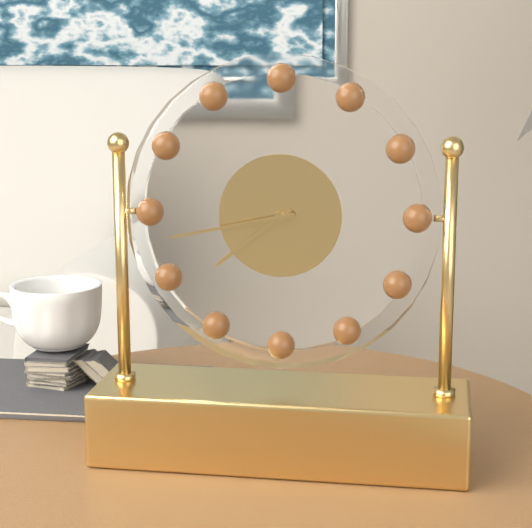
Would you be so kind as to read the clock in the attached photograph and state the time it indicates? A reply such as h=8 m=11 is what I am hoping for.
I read h=7 m=43
